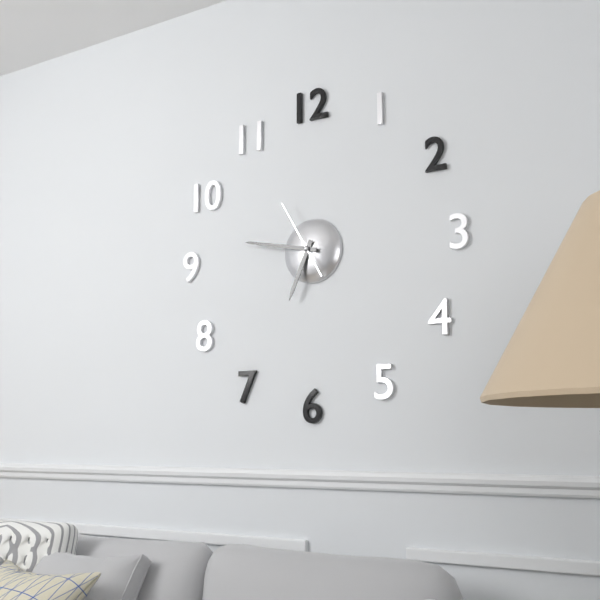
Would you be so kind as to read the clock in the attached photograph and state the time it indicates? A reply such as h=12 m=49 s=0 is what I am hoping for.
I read h=6 m=47 s=55
